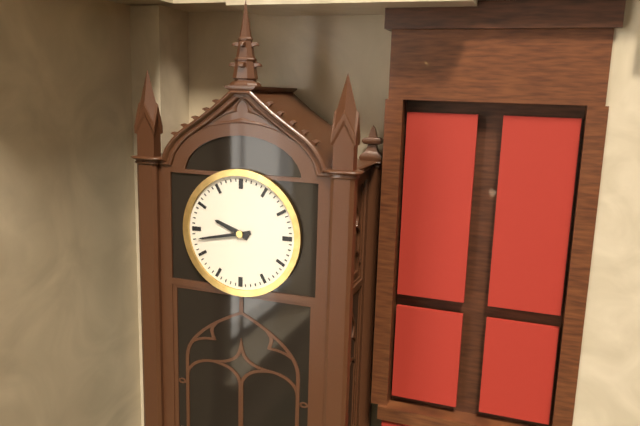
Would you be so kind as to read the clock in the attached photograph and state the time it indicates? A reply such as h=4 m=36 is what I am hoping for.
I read h=9 m=43
